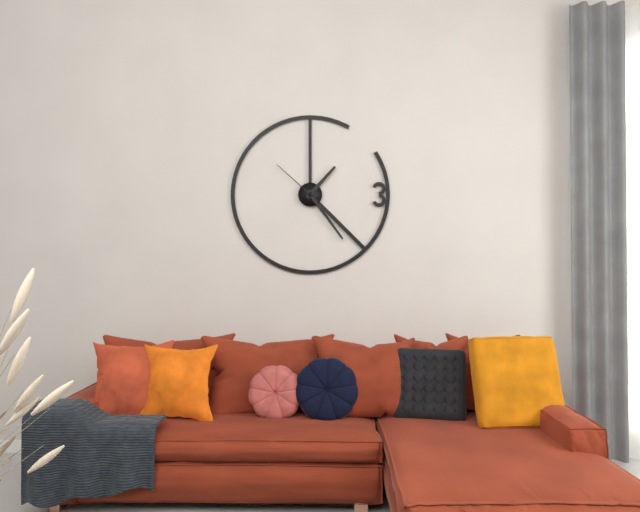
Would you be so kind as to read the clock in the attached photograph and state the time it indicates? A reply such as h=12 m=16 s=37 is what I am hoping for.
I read h=1 m=24 s=52
